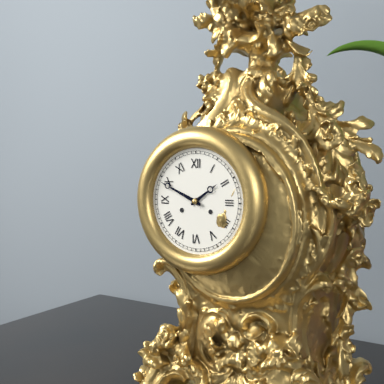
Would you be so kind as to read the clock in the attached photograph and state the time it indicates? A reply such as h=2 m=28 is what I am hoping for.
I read h=1 m=49
